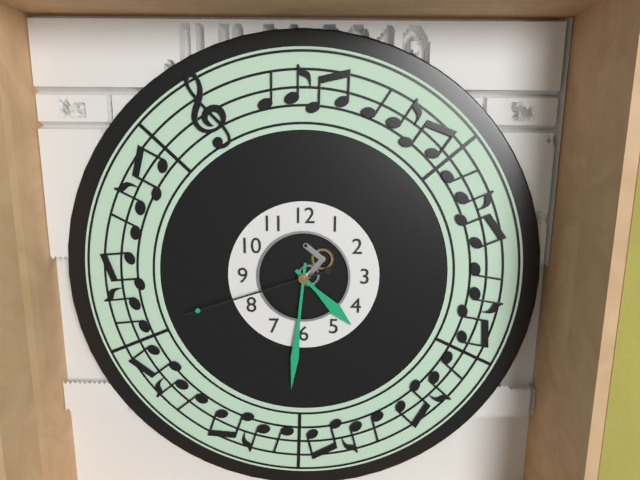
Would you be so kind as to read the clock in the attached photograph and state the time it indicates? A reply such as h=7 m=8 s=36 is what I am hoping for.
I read h=4 m=31 s=42
